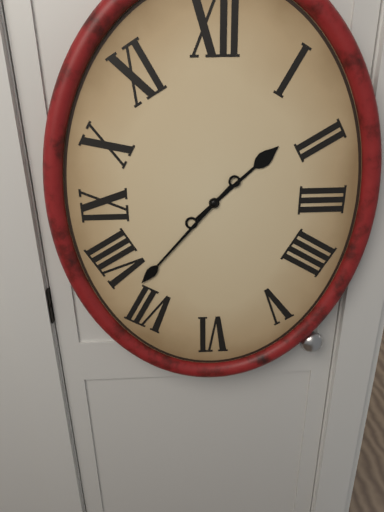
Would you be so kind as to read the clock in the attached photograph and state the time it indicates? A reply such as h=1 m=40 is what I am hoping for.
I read h=1 m=37
